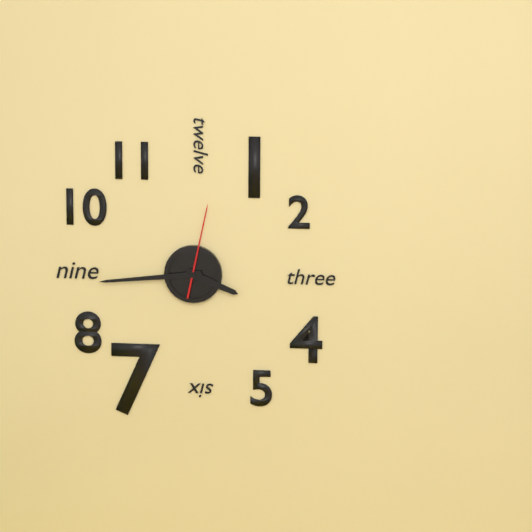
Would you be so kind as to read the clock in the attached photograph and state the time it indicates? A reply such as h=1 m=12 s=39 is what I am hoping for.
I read h=3 m=44 s=2
